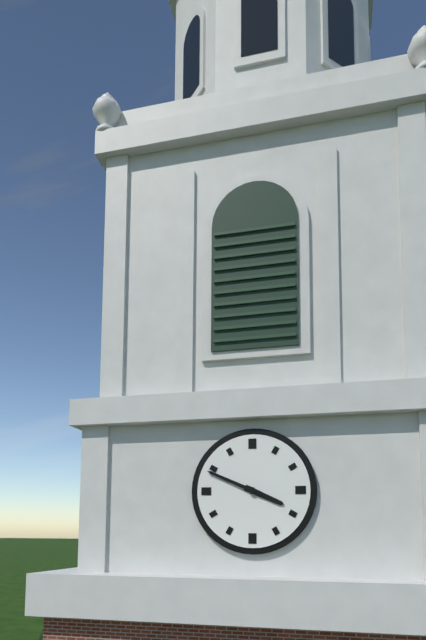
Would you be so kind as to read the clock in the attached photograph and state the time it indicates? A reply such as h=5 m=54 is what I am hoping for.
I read h=3 m=49
